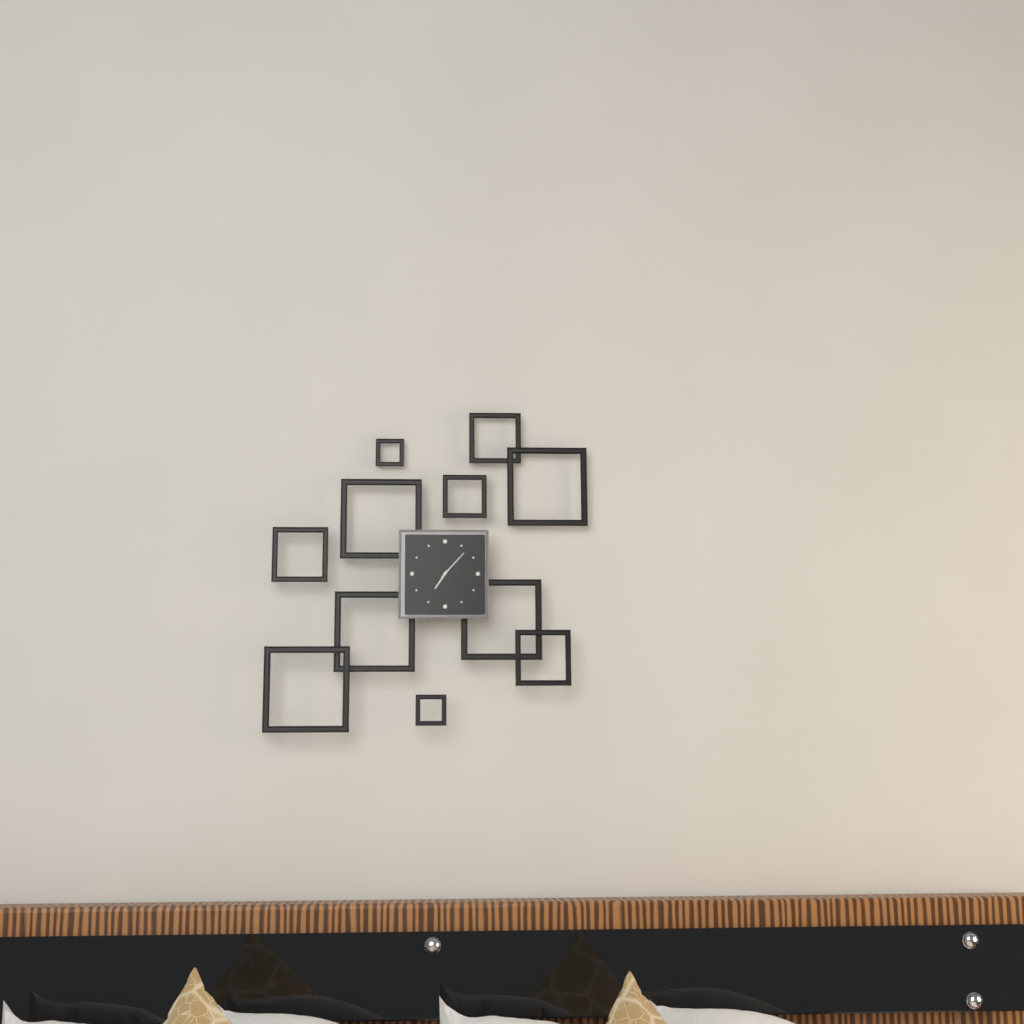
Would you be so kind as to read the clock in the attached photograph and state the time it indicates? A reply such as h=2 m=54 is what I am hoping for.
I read h=7 m=7
